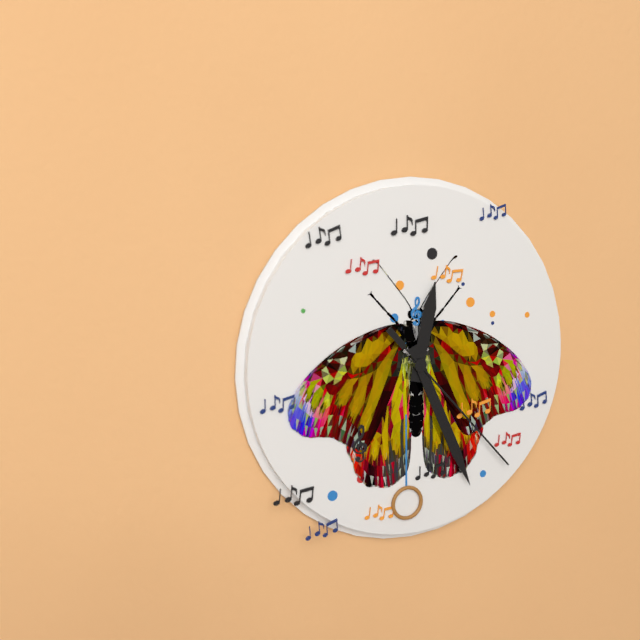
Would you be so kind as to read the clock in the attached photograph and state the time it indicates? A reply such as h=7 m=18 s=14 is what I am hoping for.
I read h=12 m=26 s=23
